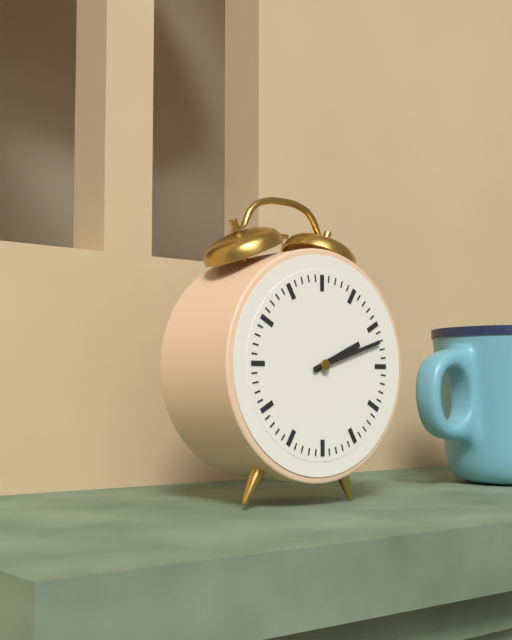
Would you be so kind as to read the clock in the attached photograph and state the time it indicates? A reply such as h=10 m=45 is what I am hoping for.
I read h=2 m=12
